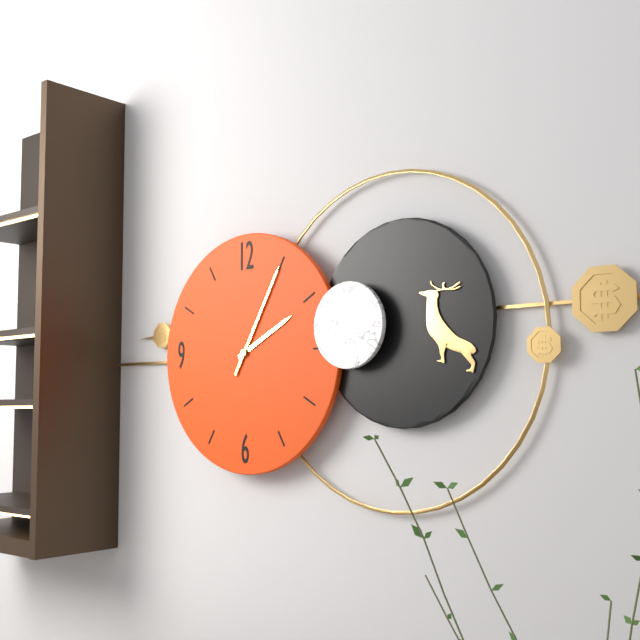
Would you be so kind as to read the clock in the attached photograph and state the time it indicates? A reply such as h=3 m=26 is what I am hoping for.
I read h=2 m=5
